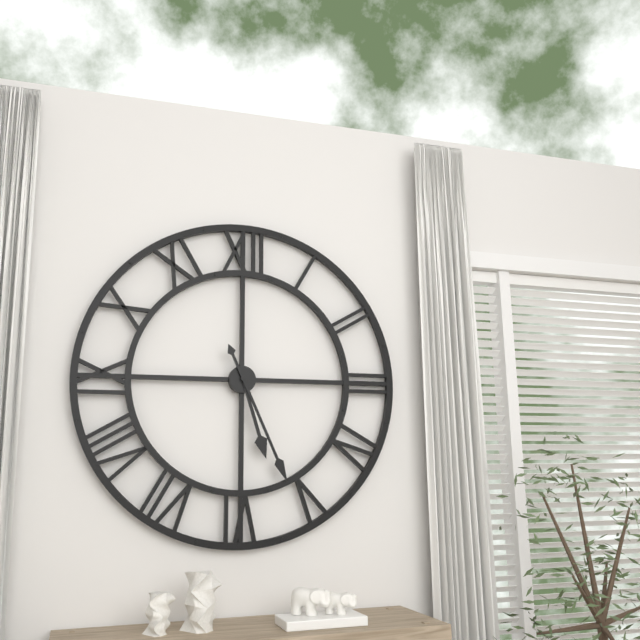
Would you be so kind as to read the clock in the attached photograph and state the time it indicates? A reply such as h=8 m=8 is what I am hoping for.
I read h=5 m=26
